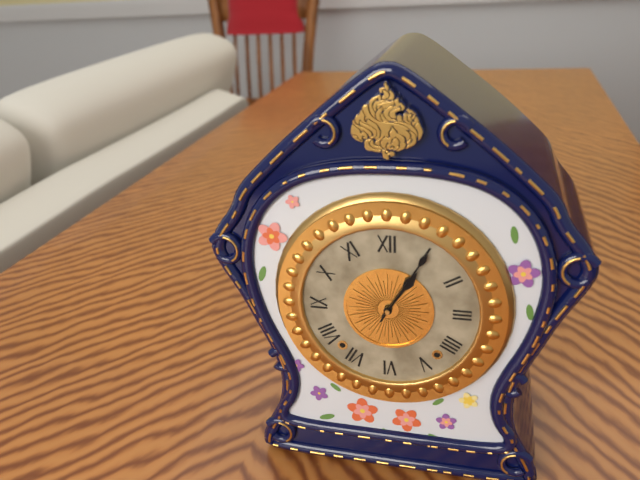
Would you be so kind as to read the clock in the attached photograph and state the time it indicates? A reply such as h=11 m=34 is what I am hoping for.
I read h=1 m=5
